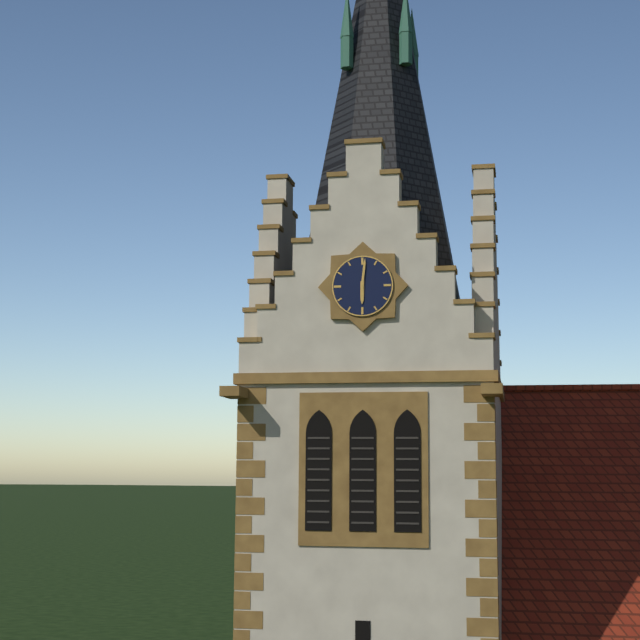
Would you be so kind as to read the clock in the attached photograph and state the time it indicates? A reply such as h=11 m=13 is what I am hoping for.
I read h=6 m=1
